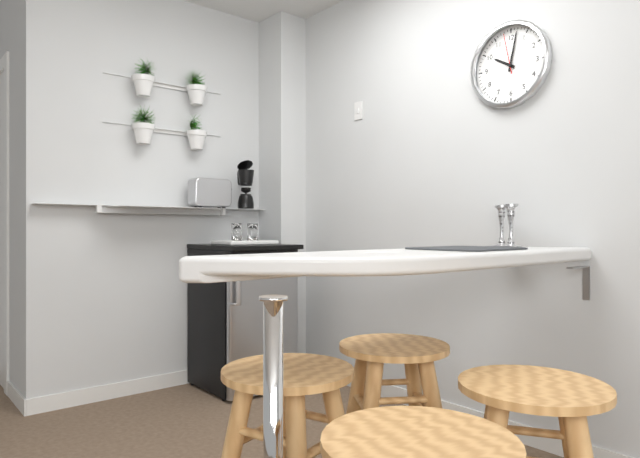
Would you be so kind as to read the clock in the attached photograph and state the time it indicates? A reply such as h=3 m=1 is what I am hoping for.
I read h=10 m=2
